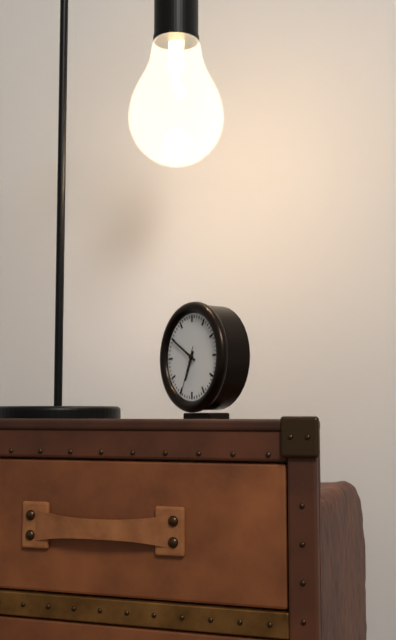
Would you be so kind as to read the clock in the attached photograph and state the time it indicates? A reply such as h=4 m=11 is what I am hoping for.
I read h=6 m=50
